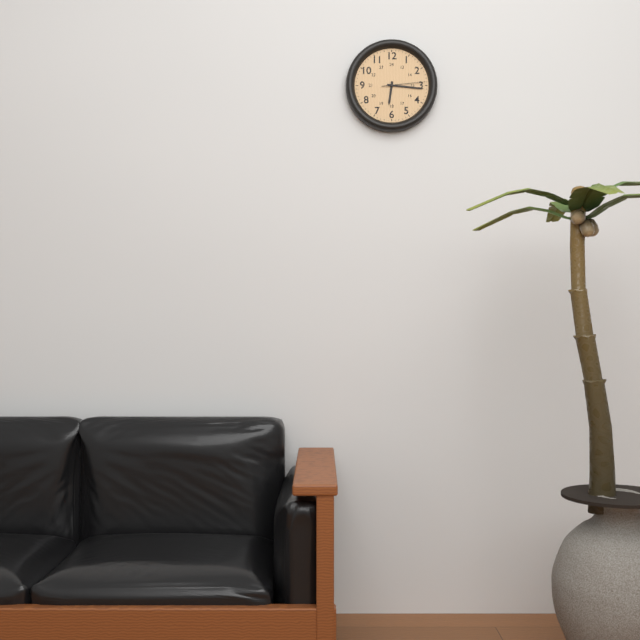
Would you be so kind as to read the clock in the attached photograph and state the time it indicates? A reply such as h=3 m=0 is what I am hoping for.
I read h=6 m=16
